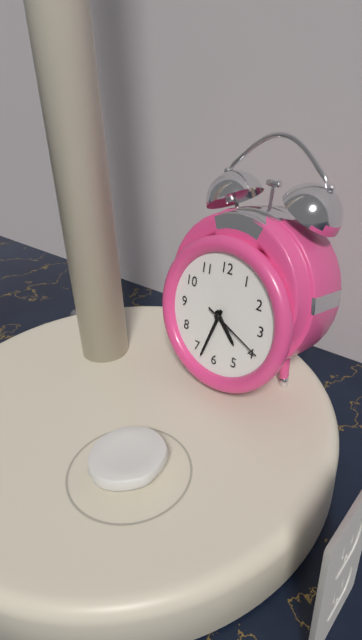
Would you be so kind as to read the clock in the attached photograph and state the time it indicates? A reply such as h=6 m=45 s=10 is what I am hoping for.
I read h=4 m=33 s=19
